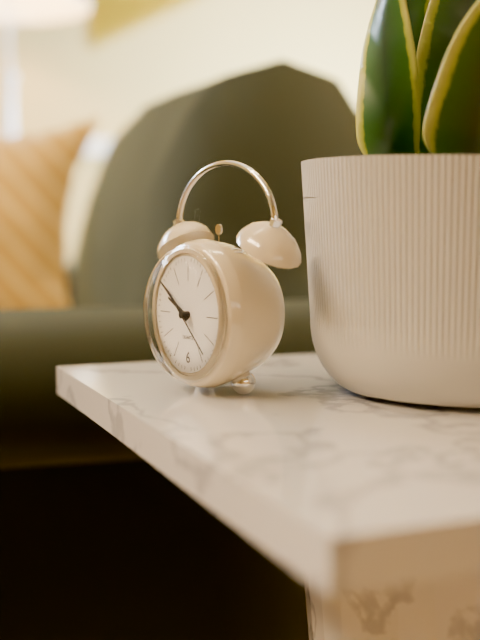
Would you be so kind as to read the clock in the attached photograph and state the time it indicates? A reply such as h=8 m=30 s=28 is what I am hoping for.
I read h=9 m=51 s=22
